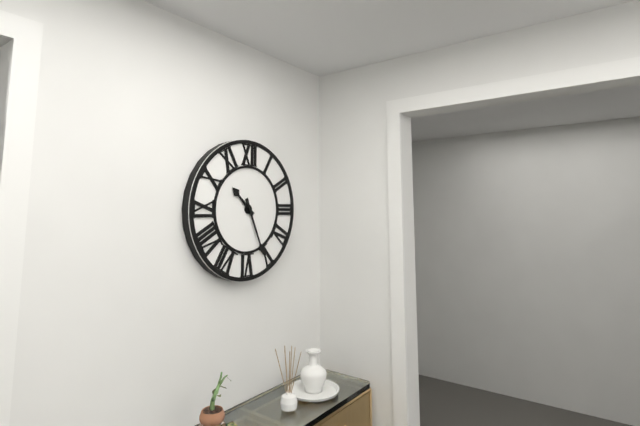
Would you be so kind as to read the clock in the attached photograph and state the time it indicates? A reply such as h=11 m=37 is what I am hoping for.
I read h=10 m=26
